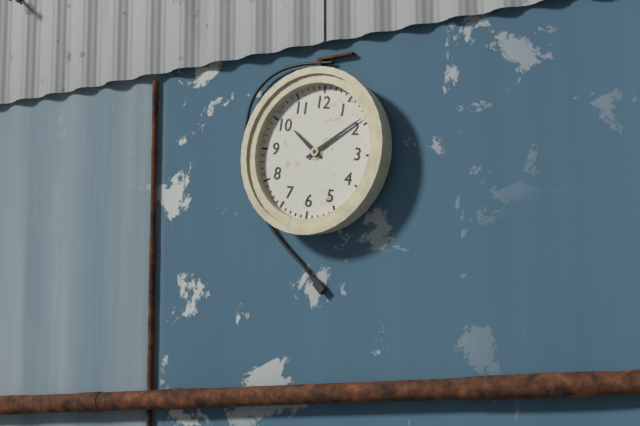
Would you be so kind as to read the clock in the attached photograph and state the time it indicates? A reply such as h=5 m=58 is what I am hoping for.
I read h=10 m=9
